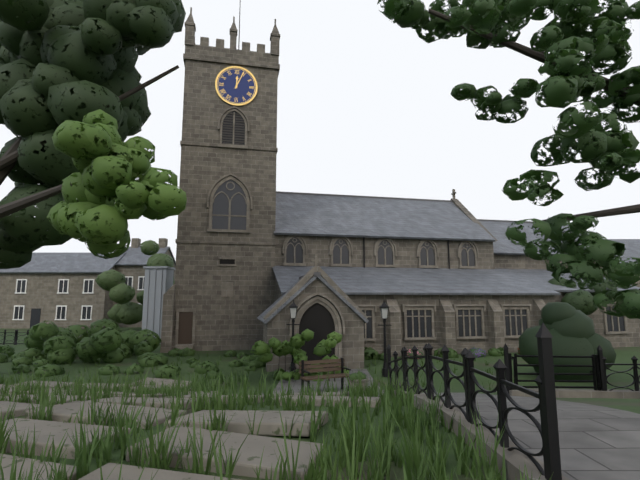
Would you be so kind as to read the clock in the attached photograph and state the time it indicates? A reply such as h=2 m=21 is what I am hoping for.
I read h=12 m=4
